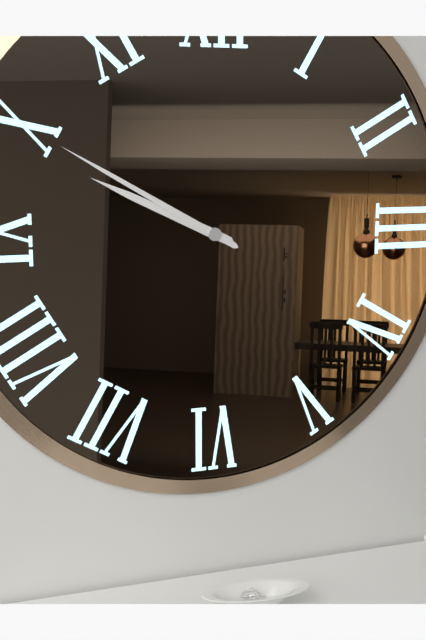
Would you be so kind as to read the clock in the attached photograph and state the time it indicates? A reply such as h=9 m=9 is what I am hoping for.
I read h=9 m=50
